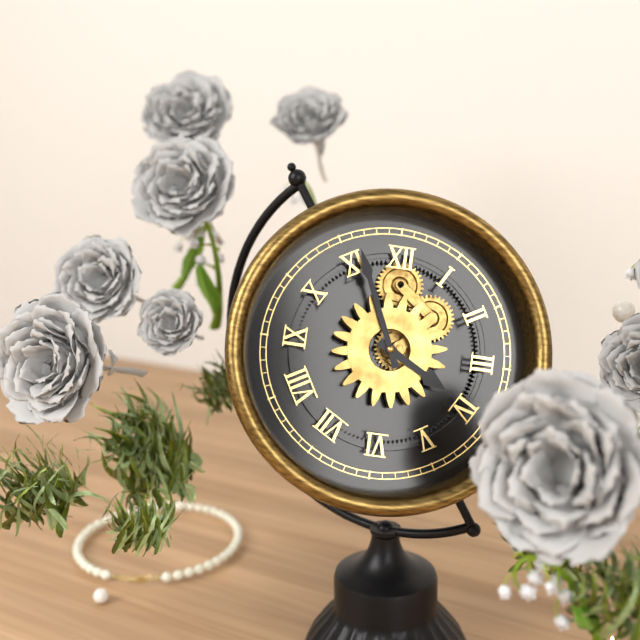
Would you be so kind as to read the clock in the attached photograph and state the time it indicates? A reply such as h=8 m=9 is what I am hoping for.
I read h=3 m=56
